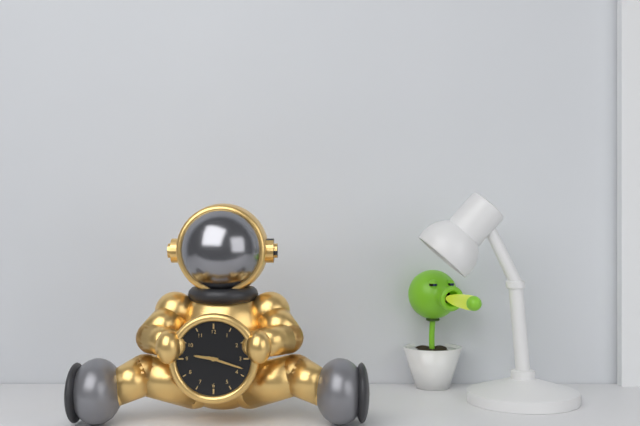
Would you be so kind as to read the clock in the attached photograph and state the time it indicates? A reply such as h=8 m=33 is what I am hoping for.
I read h=9 m=18
